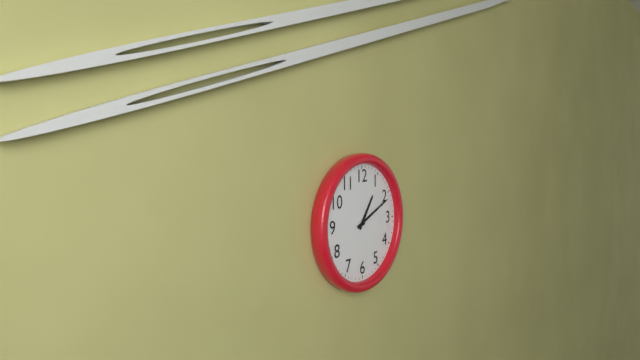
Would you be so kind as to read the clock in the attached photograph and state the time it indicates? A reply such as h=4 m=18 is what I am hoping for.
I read h=1 m=11
